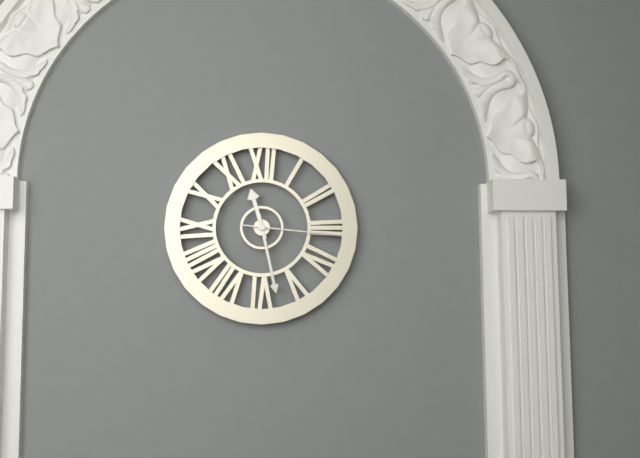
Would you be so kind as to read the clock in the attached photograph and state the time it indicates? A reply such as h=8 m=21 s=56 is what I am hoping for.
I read h=11 m=28 s=16
